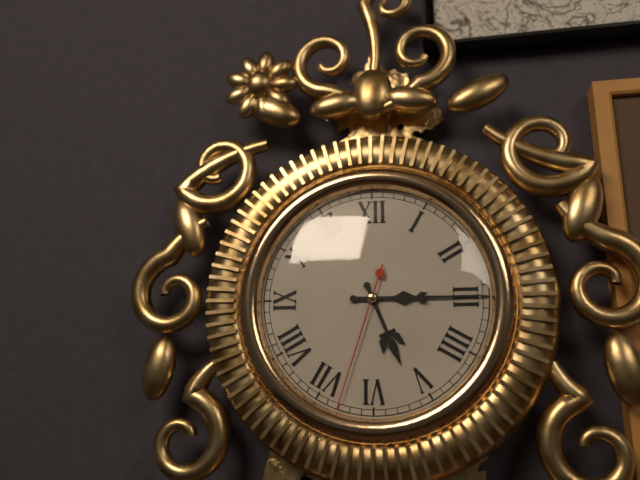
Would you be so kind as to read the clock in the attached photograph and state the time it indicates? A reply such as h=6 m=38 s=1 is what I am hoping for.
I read h=5 m=15 s=33
